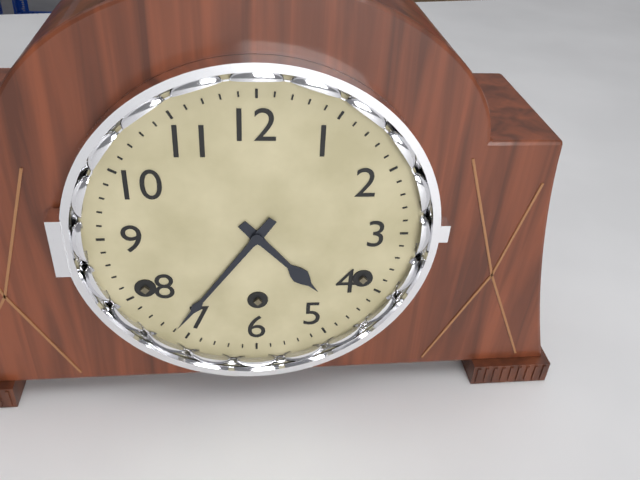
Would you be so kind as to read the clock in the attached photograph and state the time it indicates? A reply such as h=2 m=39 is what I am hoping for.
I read h=4 m=36
